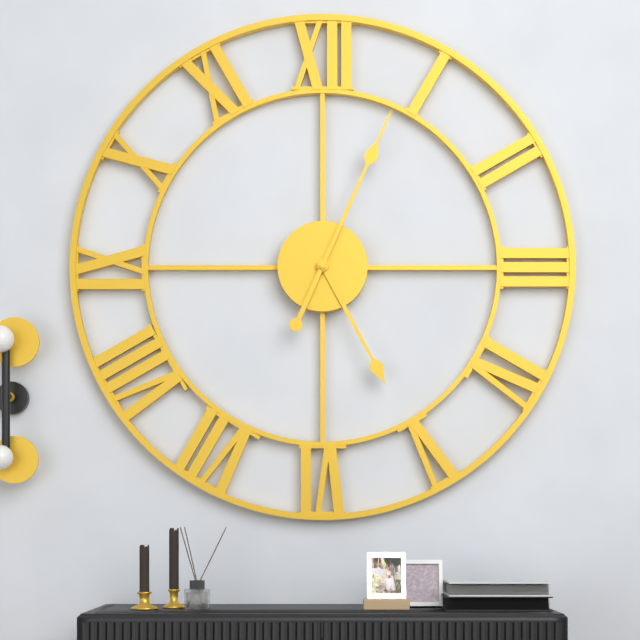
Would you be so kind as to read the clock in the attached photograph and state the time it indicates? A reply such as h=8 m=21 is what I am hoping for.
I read h=5 m=4
